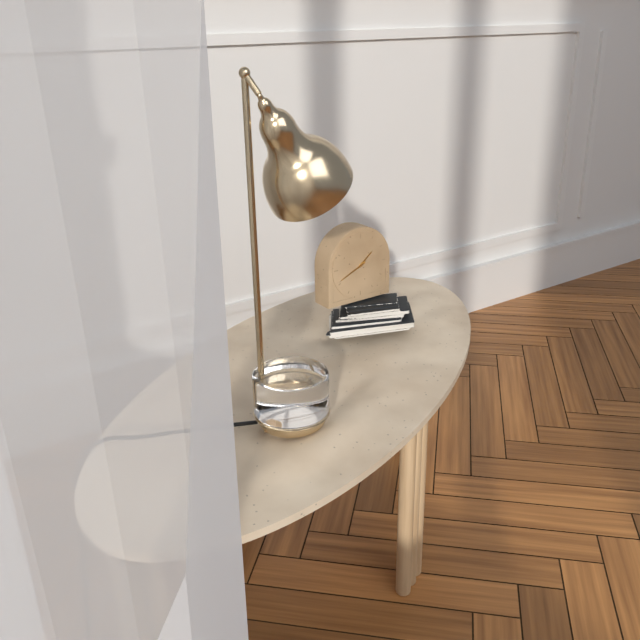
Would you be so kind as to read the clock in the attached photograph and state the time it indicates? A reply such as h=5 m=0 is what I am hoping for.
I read h=1 m=41
